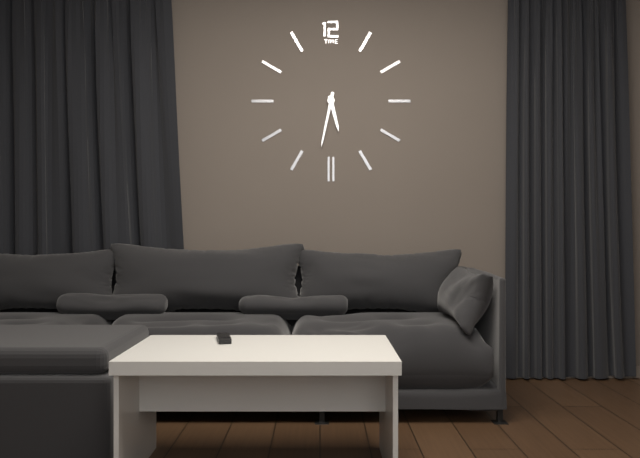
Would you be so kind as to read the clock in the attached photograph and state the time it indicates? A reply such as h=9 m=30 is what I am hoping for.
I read h=5 m=32
